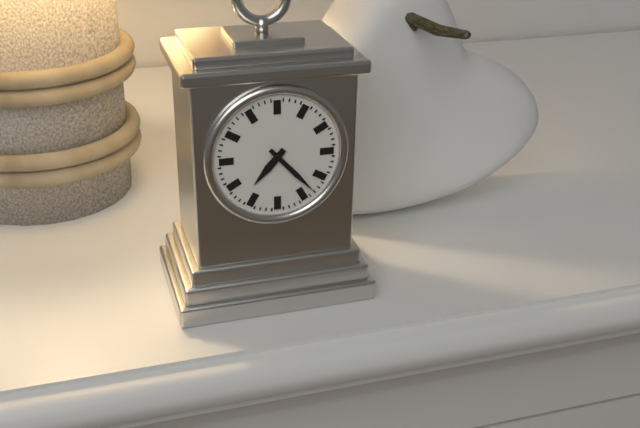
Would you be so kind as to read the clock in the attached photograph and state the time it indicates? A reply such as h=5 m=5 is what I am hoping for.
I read h=7 m=23
